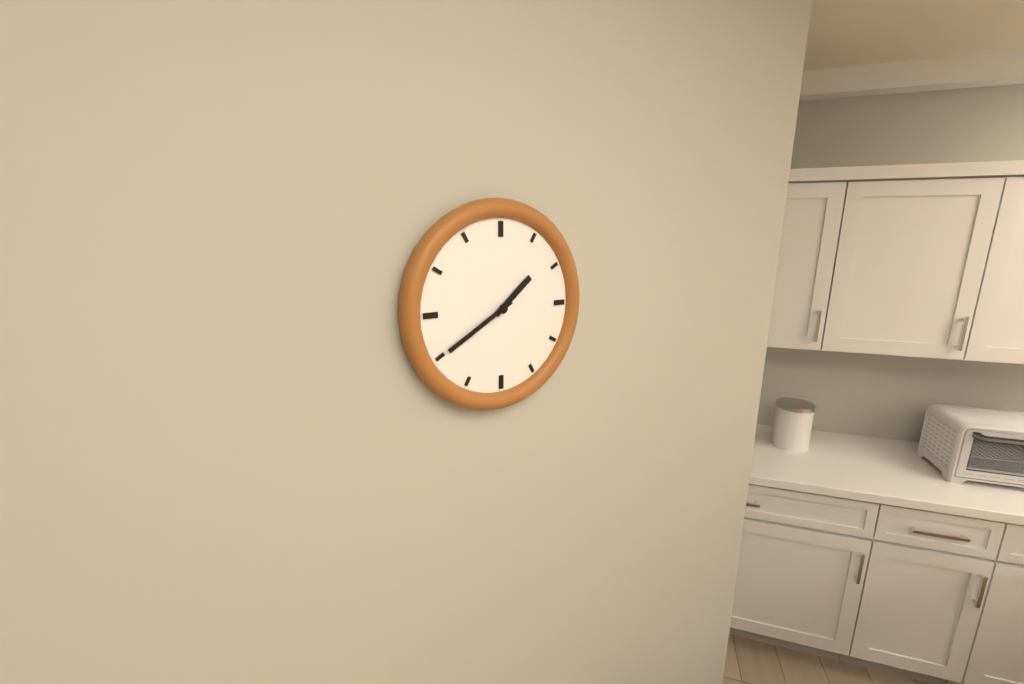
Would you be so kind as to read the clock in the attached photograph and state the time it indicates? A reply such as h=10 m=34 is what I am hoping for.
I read h=1 m=40
